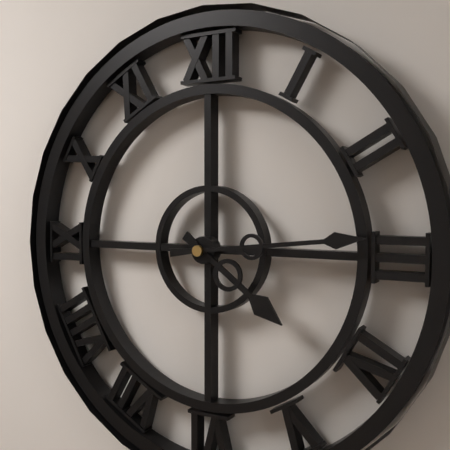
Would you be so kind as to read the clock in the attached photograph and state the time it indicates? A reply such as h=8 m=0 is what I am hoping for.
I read h=4 m=14
